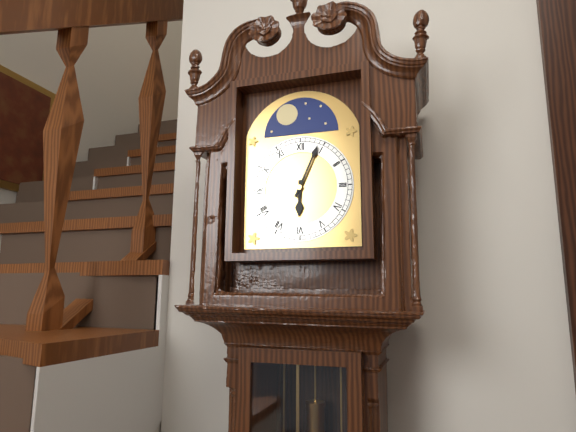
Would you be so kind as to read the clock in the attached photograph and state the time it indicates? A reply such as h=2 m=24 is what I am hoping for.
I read h=6 m=4
